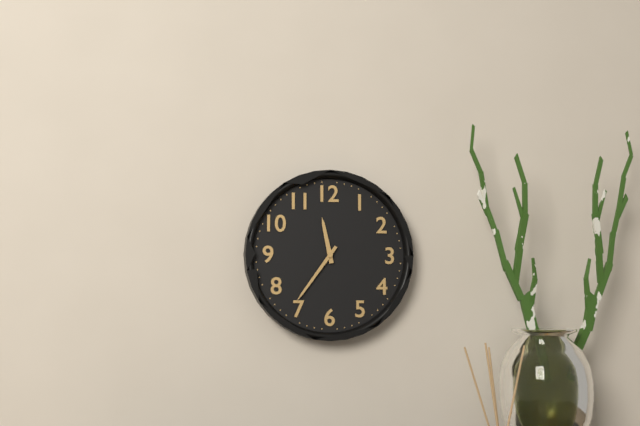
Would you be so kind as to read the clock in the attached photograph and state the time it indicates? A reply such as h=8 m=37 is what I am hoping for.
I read h=11 m=36
